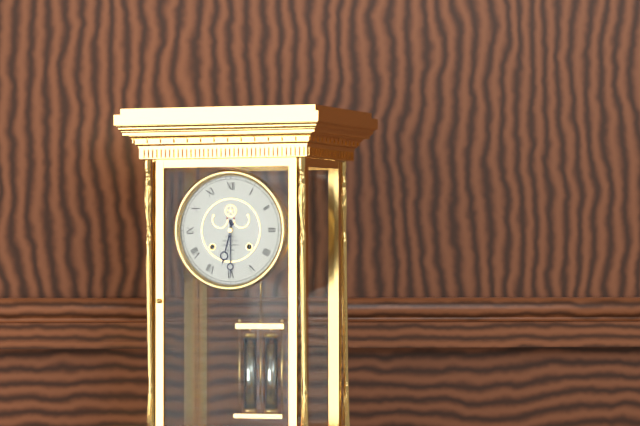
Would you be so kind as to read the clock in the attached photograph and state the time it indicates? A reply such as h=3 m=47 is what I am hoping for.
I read h=6 m=30
